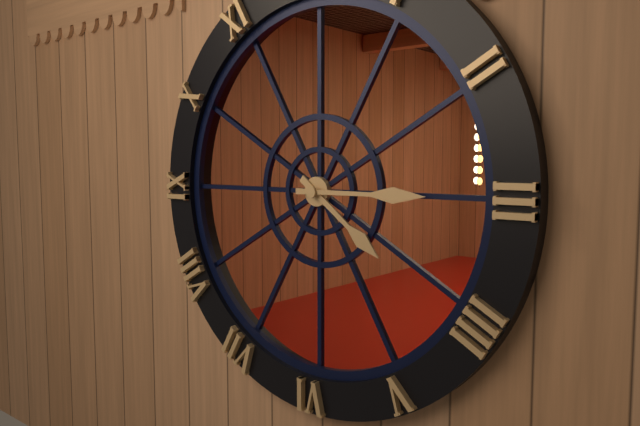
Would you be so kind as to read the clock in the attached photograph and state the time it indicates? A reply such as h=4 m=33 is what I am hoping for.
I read h=4 m=15
